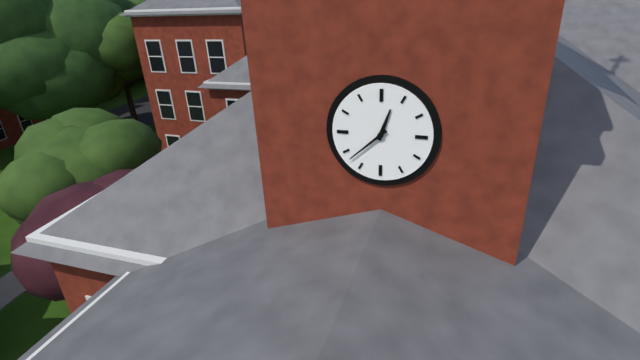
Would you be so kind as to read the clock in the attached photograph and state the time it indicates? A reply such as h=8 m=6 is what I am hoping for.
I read h=12 m=38
